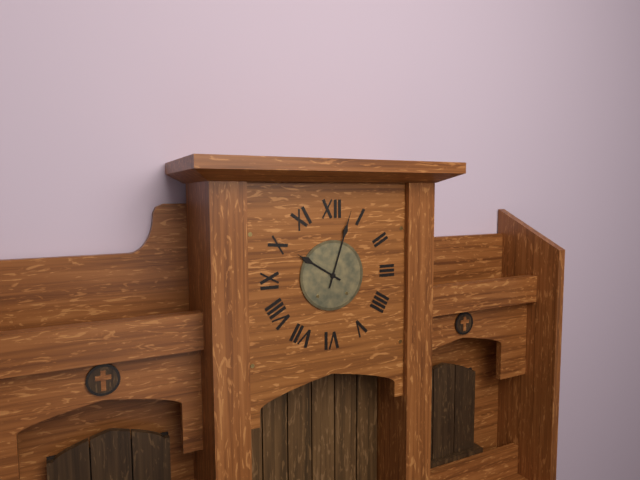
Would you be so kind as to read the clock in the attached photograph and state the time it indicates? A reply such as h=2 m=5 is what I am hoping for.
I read h=10 m=3
